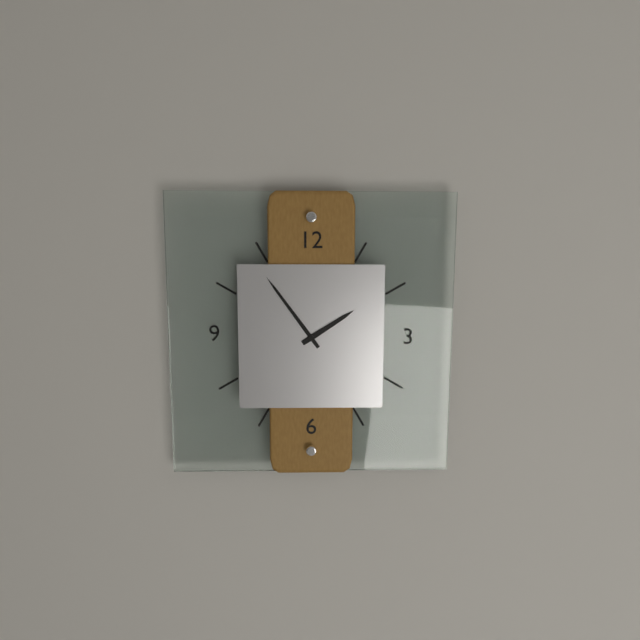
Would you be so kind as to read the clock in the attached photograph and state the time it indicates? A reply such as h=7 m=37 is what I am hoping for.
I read h=1 m=54
